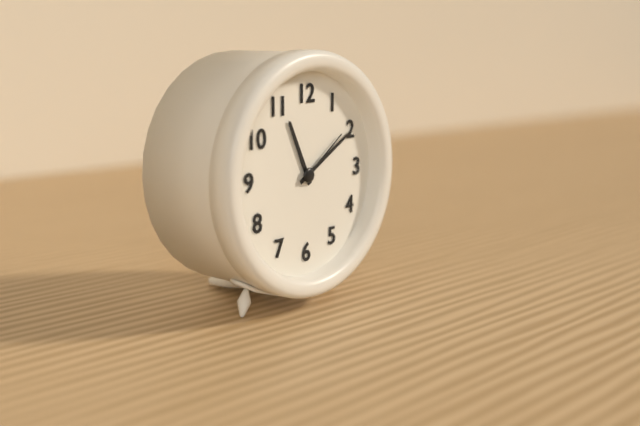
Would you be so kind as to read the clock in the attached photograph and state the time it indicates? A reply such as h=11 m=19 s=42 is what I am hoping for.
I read h=11 m=10 s=9
